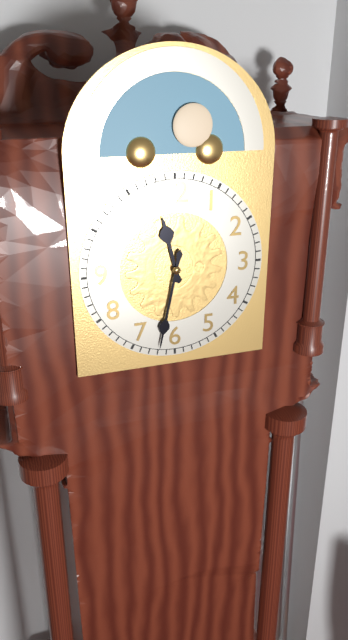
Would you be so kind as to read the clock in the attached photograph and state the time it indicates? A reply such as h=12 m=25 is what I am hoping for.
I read h=11 m=32
